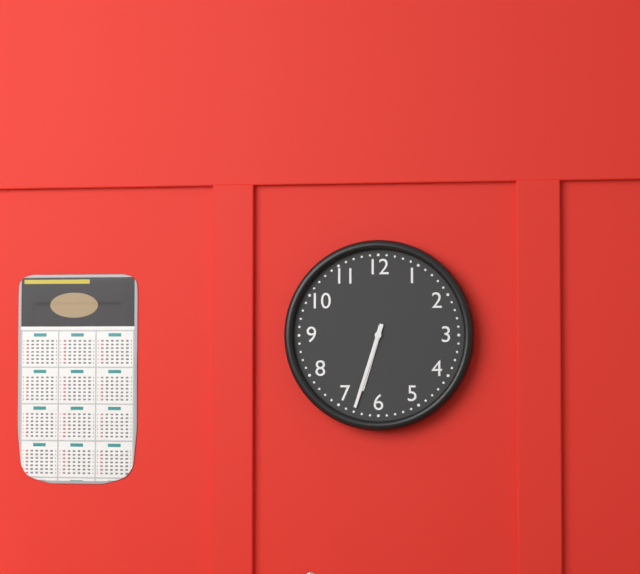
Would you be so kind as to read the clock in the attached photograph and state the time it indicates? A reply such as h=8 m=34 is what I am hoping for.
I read h=6 m=33
